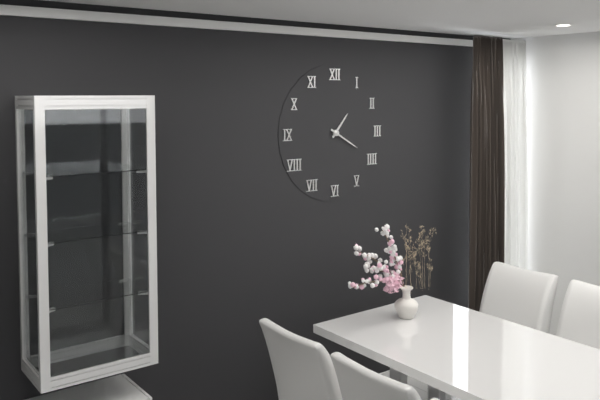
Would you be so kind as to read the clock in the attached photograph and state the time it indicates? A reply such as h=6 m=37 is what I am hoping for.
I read h=1 m=20
